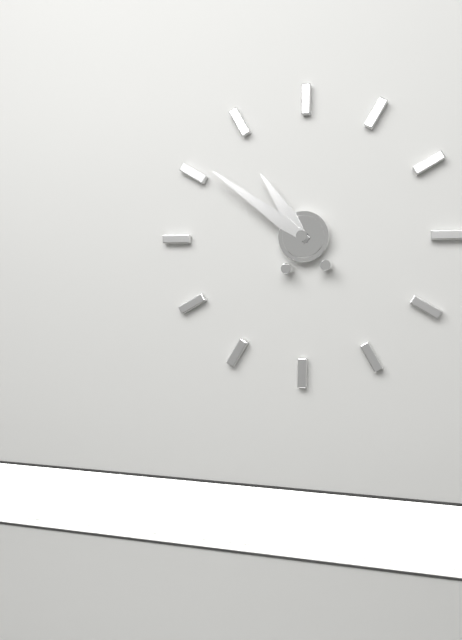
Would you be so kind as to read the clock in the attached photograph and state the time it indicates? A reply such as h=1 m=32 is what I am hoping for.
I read h=10 m=51
